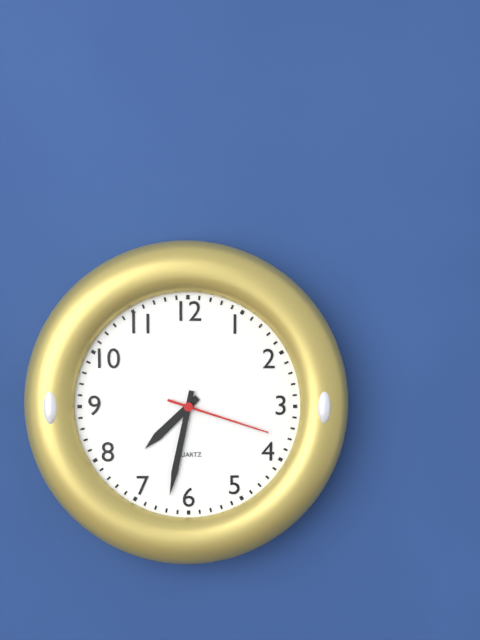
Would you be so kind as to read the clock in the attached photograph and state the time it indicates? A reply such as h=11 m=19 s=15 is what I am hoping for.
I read h=7 m=32 s=18
